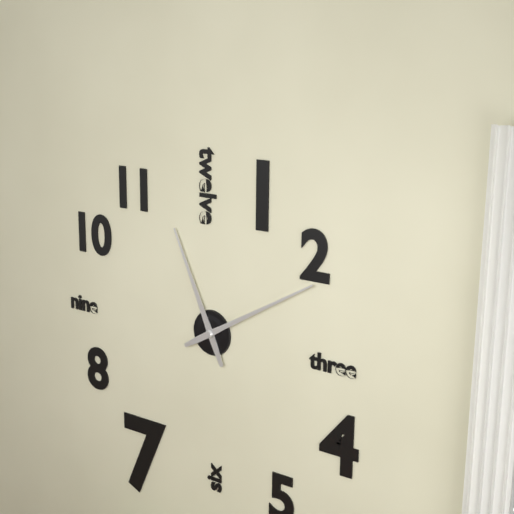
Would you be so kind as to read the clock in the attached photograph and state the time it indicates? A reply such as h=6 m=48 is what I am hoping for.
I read h=11 m=10
